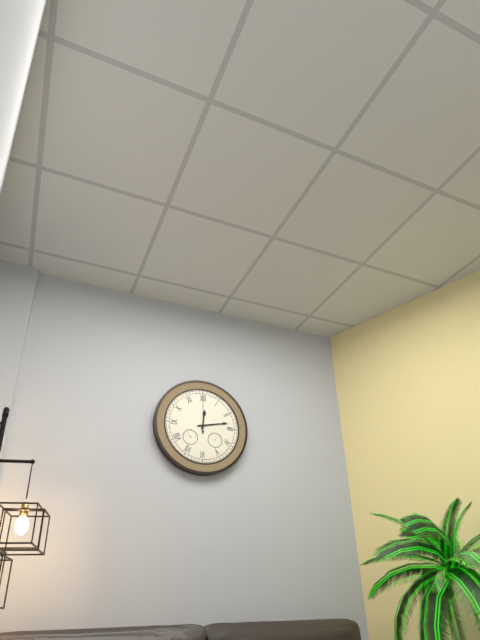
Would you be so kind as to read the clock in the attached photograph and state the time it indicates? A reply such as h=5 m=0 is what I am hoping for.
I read h=12 m=13
